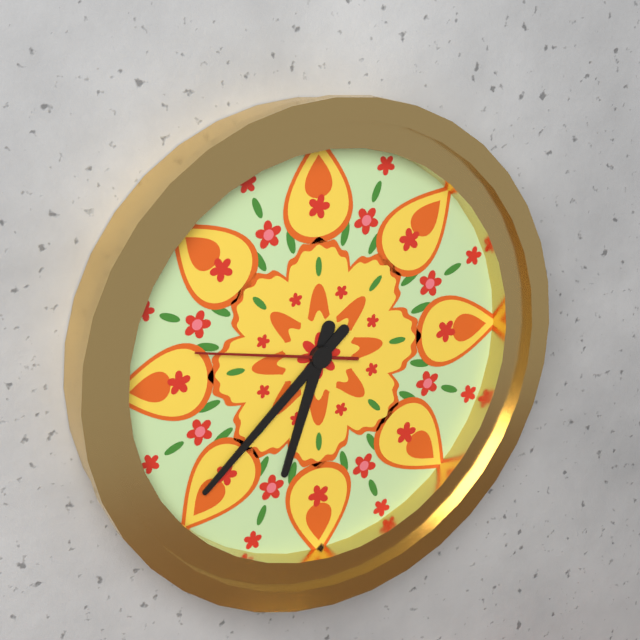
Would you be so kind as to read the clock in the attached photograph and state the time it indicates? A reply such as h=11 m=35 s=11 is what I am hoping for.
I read h=6 m=38 s=47
